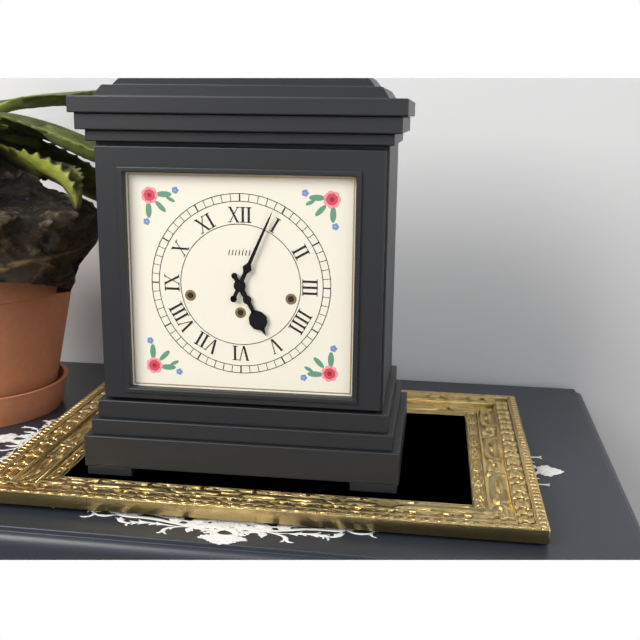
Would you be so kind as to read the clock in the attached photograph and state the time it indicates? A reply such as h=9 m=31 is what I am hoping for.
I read h=5 m=4
